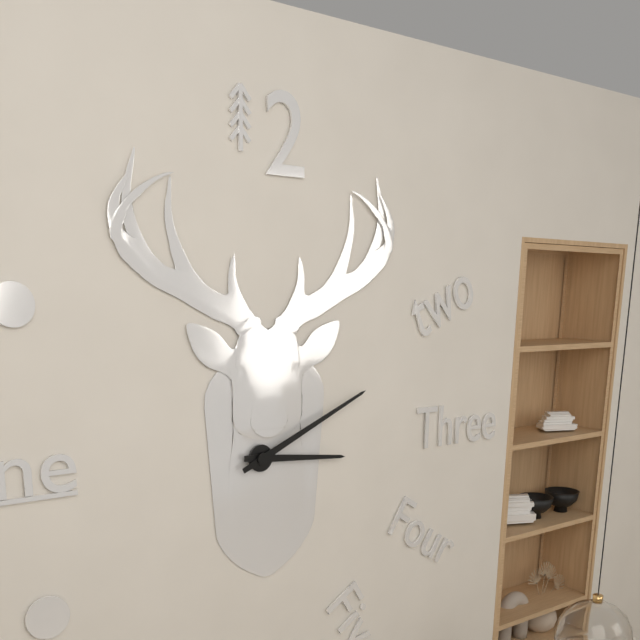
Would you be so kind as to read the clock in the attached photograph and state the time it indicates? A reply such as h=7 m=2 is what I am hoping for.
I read h=3 m=11
